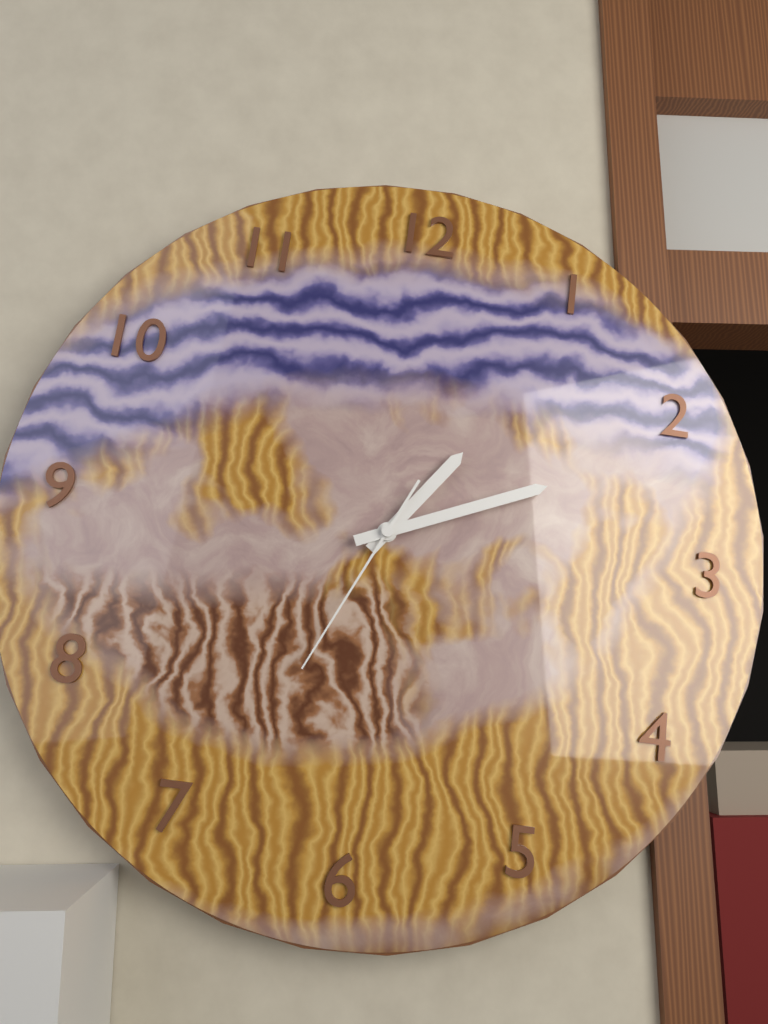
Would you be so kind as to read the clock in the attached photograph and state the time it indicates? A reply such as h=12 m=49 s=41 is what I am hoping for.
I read h=1 m=11 s=34
